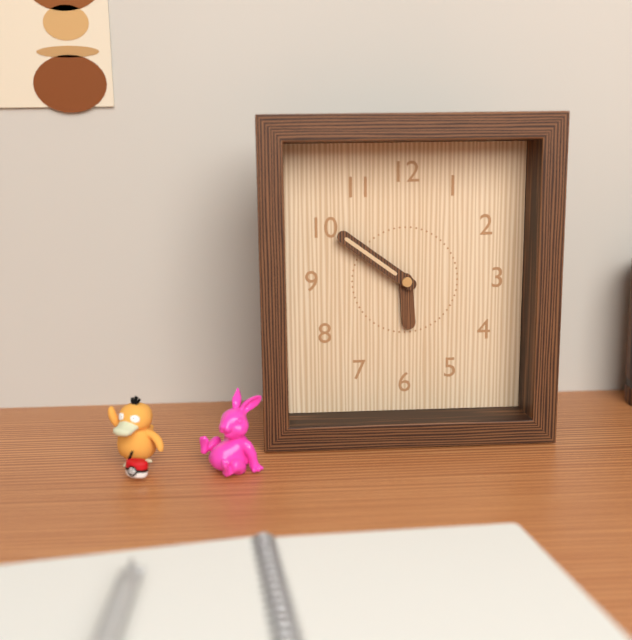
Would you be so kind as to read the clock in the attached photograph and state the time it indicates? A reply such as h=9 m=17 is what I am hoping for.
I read h=5 m=51
